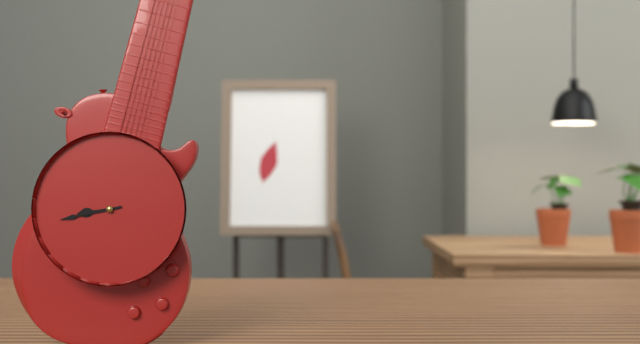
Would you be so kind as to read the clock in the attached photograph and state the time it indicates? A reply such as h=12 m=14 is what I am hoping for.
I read h=8 m=43
